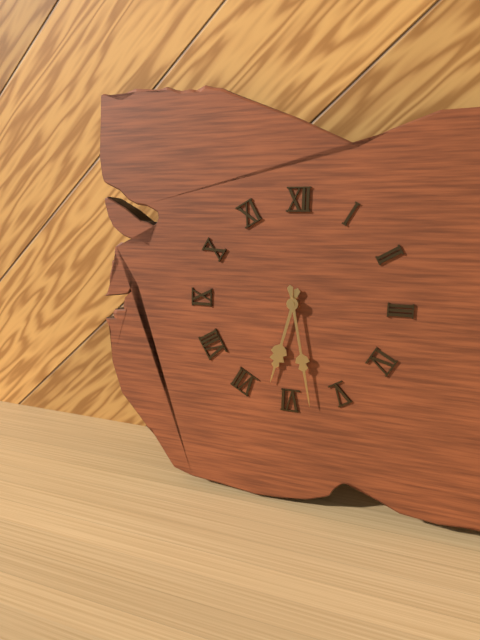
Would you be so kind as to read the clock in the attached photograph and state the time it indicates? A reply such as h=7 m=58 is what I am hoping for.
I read h=6 m=28
